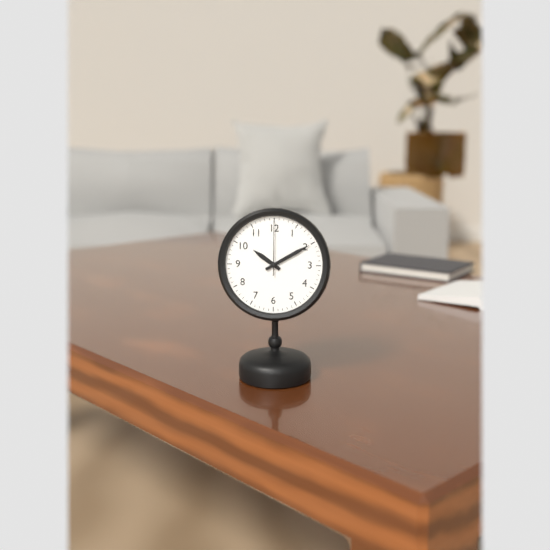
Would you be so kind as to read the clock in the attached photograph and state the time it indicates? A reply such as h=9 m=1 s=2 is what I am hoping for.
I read h=10 m=10 s=0
